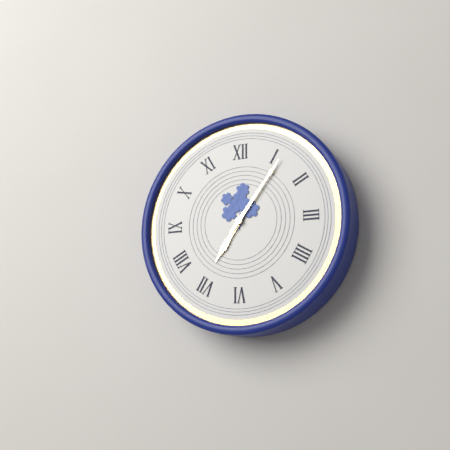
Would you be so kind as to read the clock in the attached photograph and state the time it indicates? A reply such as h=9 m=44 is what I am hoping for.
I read h=7 m=6
